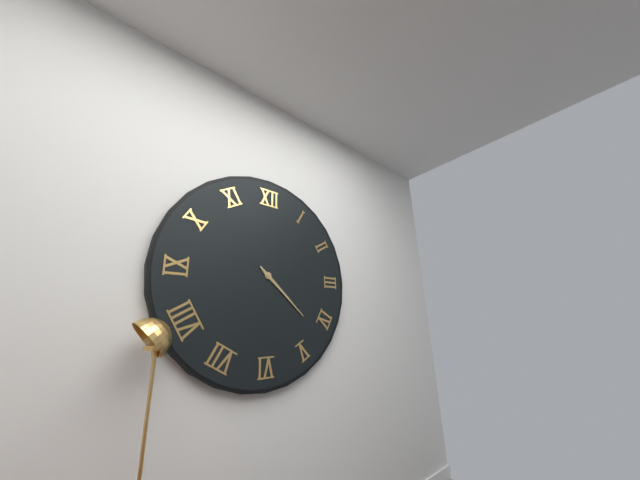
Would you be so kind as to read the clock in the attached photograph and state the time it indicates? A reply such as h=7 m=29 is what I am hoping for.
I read h=4 m=22
